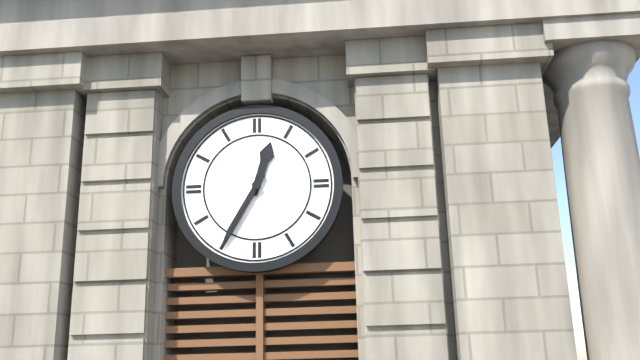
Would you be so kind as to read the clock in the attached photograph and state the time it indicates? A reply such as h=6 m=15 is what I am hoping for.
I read h=12 m=35
